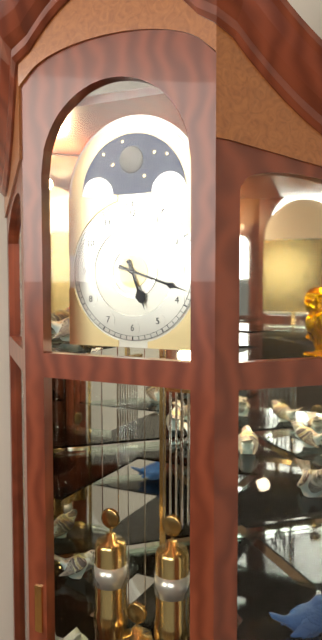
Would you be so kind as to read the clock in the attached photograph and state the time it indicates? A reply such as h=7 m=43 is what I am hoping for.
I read h=5 m=18
